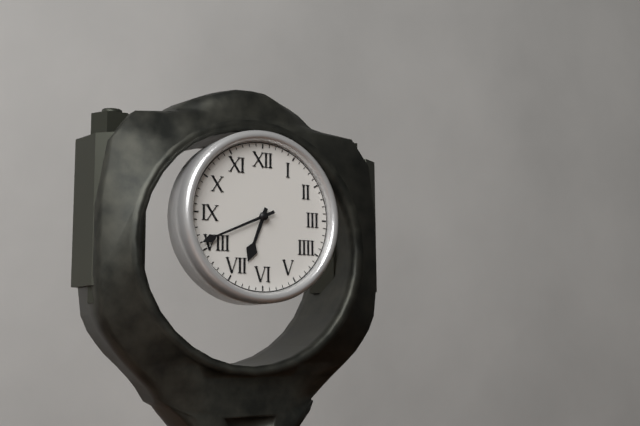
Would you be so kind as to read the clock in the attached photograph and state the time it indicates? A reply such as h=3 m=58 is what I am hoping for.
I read h=6 m=41
